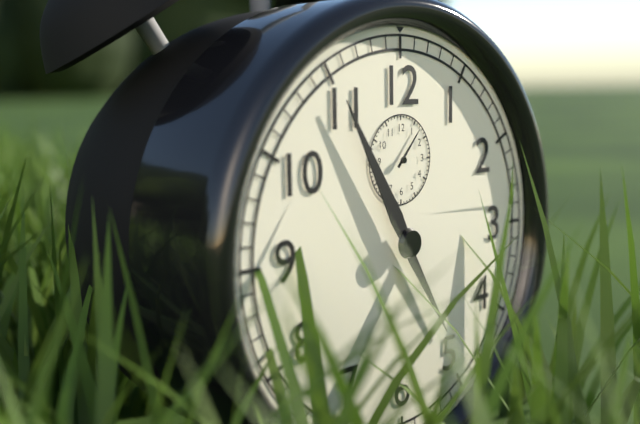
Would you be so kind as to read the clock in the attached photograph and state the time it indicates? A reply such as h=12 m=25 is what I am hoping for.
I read h=4 m=55
